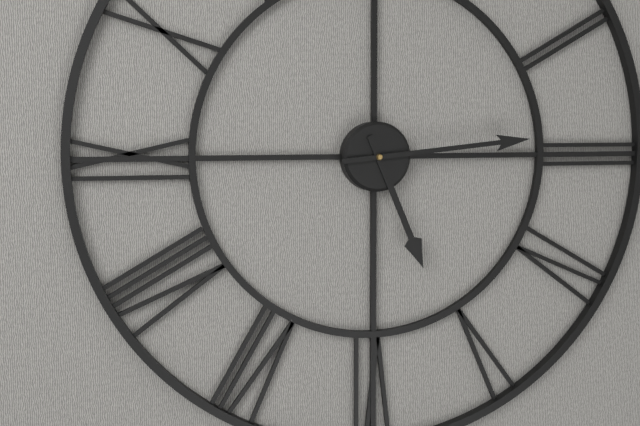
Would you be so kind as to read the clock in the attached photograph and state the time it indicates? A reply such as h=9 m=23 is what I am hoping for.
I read h=5 m=14
